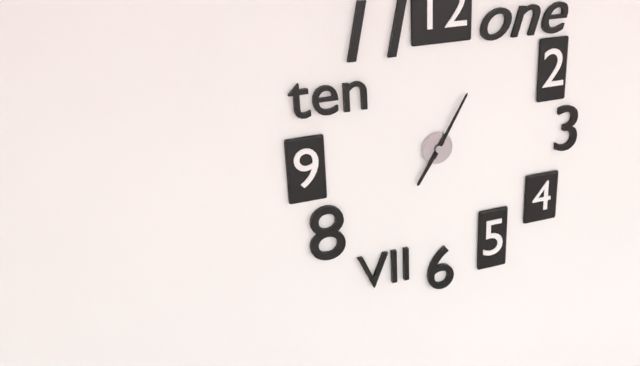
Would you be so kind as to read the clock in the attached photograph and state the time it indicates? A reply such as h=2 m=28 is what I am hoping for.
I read h=7 m=5
